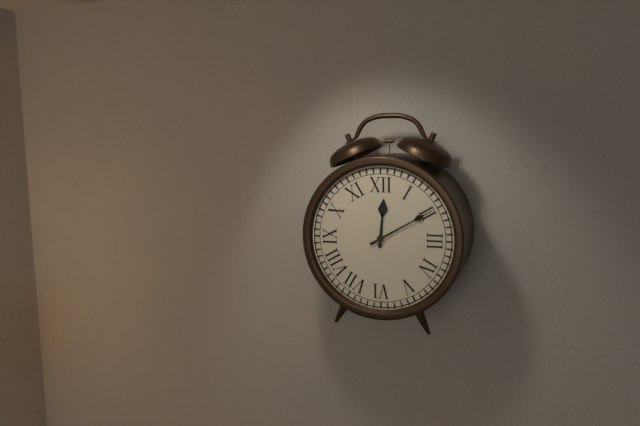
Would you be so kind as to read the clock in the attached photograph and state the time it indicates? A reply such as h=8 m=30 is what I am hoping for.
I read h=12 m=10
